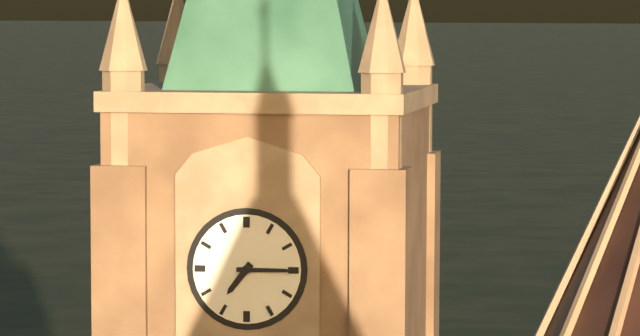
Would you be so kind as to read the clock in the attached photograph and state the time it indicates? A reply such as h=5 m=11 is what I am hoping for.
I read h=7 m=15
